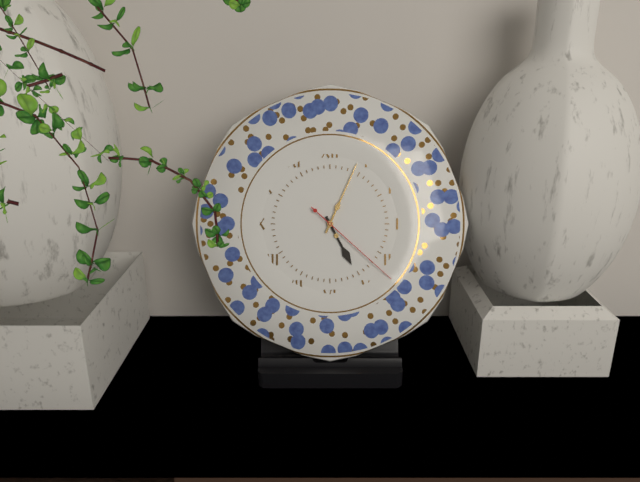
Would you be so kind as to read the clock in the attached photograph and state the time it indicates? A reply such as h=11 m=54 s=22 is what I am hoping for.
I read h=5 m=4 s=22
